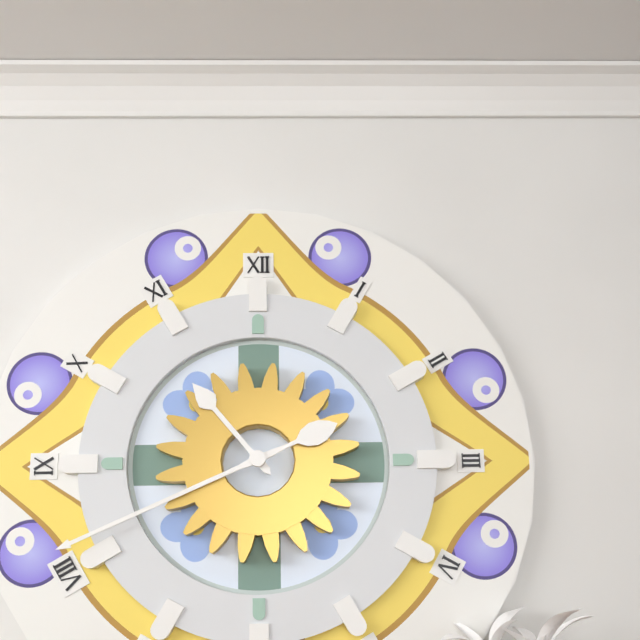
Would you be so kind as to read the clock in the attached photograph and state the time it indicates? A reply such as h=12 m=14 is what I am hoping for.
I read h=10 m=41
